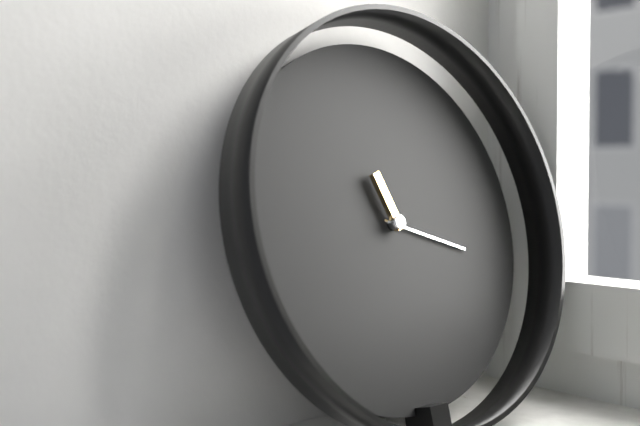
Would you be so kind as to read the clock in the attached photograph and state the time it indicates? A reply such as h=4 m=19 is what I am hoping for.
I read h=11 m=18
